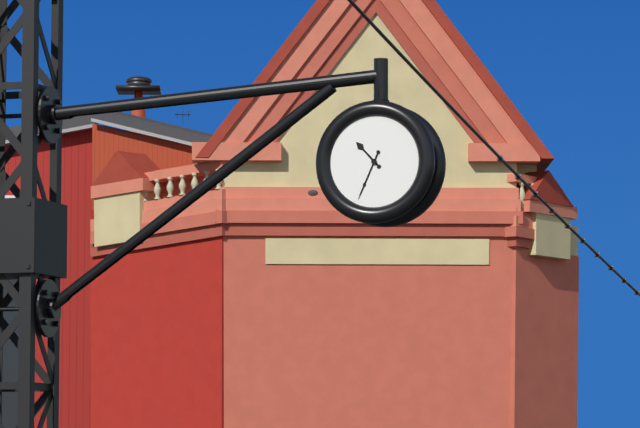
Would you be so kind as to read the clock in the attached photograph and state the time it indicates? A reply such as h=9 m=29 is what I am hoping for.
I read h=10 m=34
